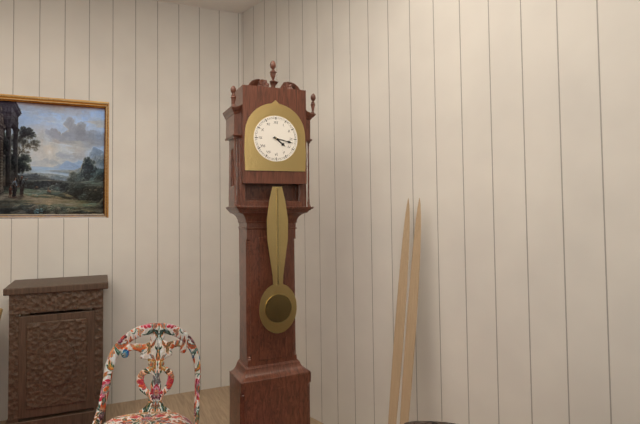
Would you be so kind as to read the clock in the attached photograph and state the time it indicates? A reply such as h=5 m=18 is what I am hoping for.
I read h=4 m=17
